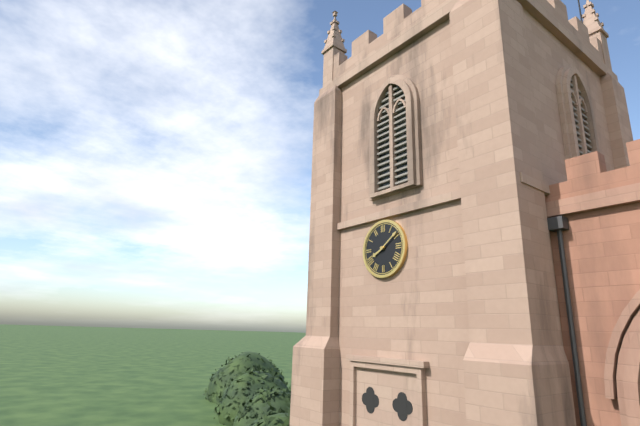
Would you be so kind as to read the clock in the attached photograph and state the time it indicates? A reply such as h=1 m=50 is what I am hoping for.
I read h=8 m=9
